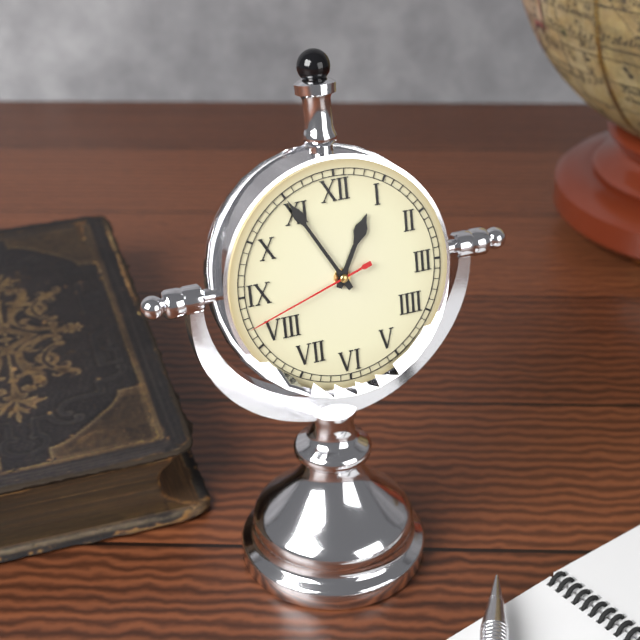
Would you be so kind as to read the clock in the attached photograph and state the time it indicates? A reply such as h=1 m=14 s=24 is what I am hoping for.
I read h=12 m=55 s=42
